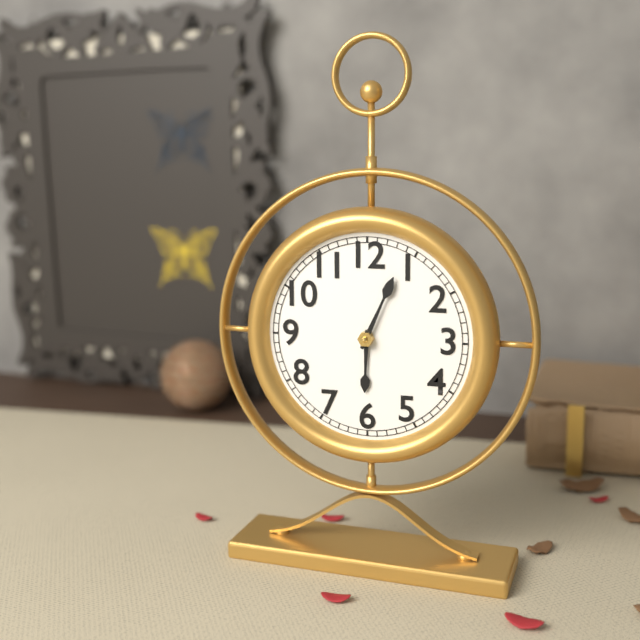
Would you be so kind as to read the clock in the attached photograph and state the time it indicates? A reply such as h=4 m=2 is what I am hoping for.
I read h=6 m=4
